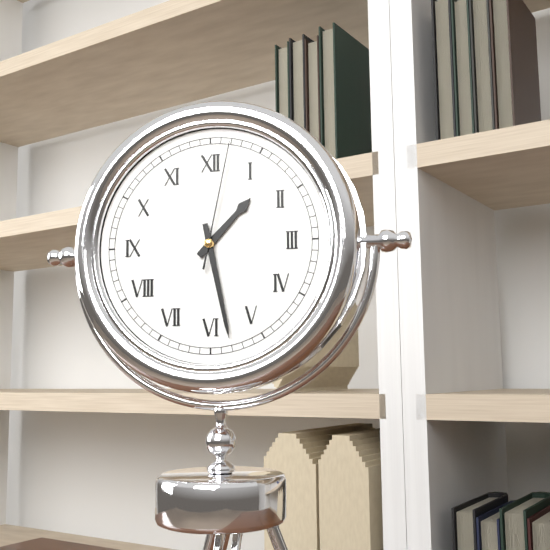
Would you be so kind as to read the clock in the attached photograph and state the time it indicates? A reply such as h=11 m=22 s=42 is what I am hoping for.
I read h=1 m=28 s=2
